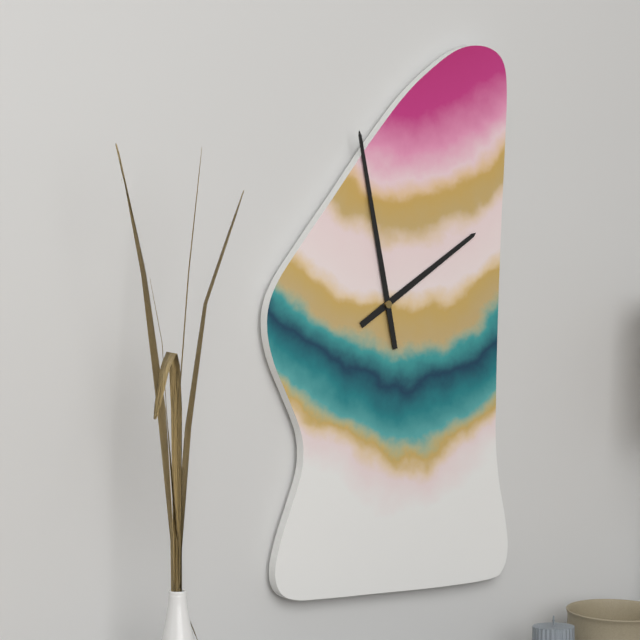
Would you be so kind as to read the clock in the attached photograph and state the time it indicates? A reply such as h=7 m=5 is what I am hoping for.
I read h=1 m=58
